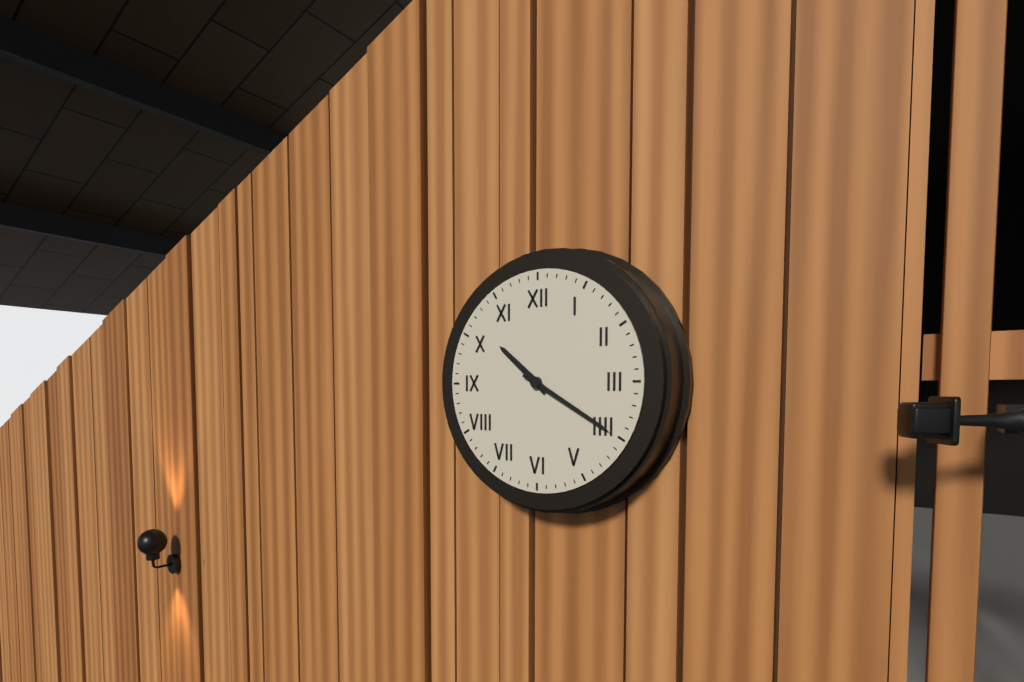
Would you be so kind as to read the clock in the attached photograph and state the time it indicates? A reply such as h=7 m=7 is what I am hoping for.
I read h=10 m=20
